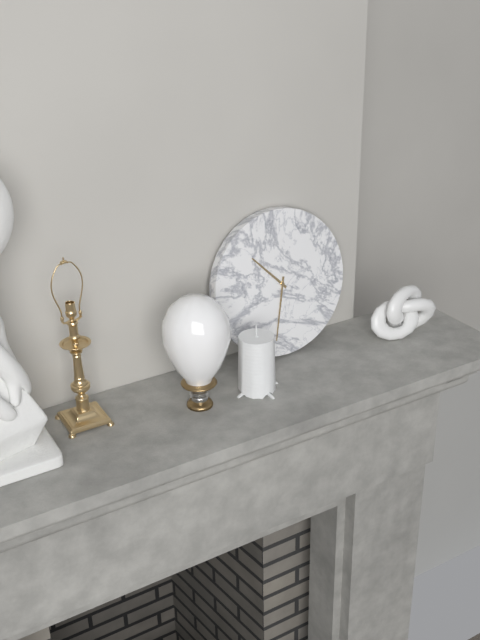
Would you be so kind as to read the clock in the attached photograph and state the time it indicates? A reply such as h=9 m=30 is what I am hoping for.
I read h=10 m=32
